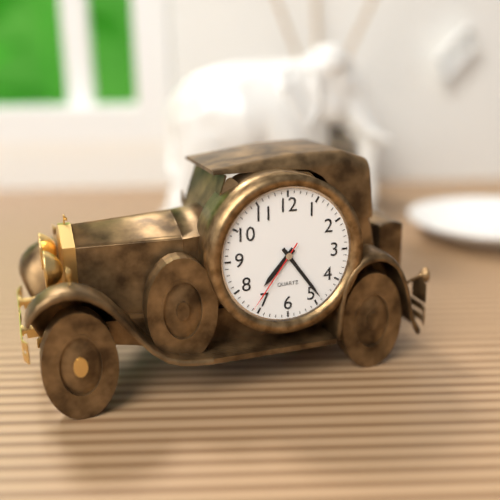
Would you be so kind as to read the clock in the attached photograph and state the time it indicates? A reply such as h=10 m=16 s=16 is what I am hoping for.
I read h=7 m=24 s=36
